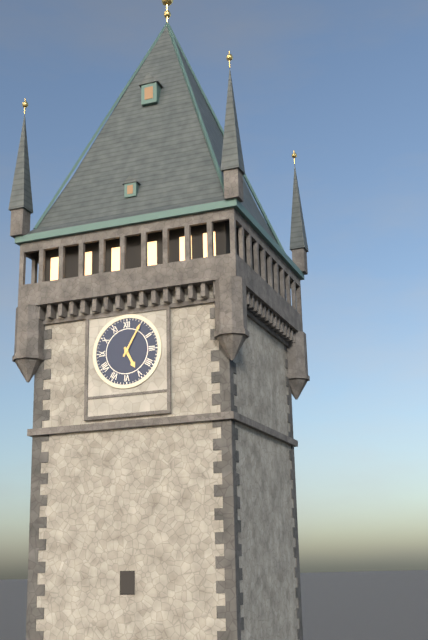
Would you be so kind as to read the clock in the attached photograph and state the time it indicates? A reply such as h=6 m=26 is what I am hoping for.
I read h=5 m=5
